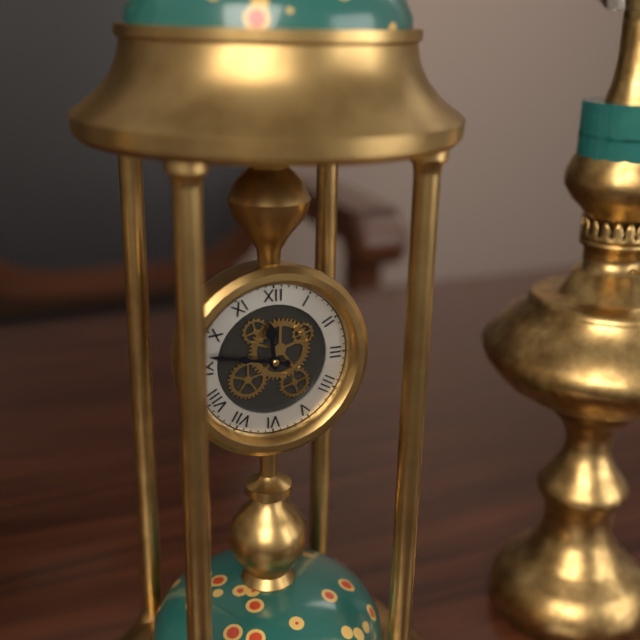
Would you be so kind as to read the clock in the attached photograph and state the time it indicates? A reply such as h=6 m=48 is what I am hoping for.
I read h=11 m=47
